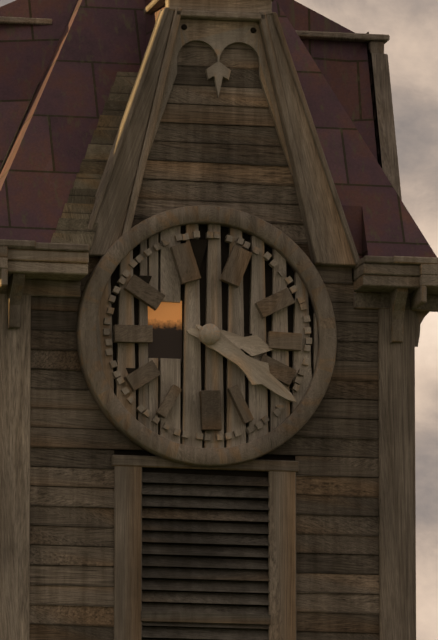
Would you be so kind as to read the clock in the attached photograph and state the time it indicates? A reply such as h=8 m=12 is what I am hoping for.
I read h=3 m=21
